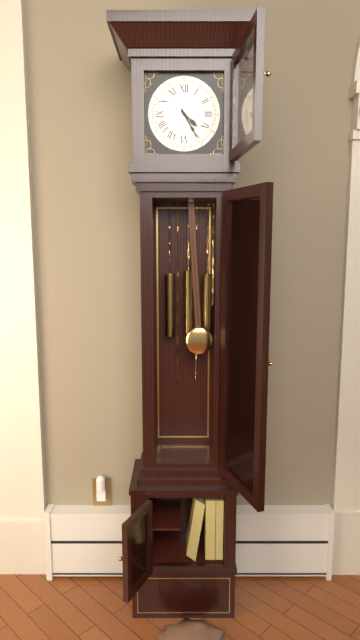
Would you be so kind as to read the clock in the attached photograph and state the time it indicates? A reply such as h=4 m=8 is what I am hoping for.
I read h=4 m=25
